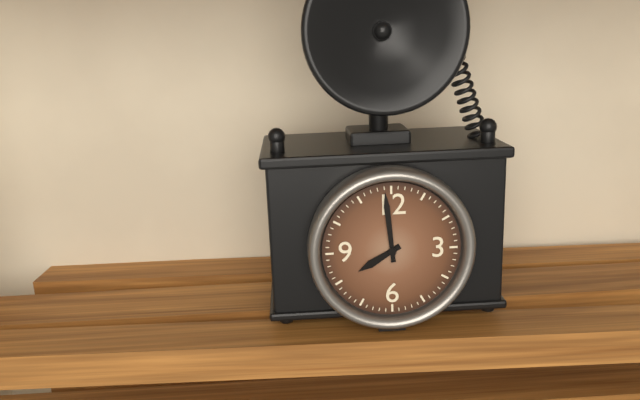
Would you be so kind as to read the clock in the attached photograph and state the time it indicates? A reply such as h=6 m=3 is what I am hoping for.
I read h=7 m=59
